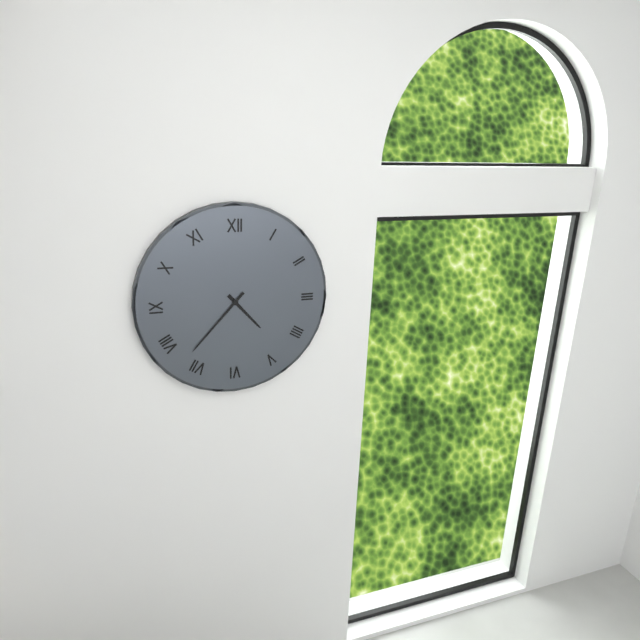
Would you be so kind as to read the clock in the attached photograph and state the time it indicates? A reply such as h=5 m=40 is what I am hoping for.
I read h=4 m=37
